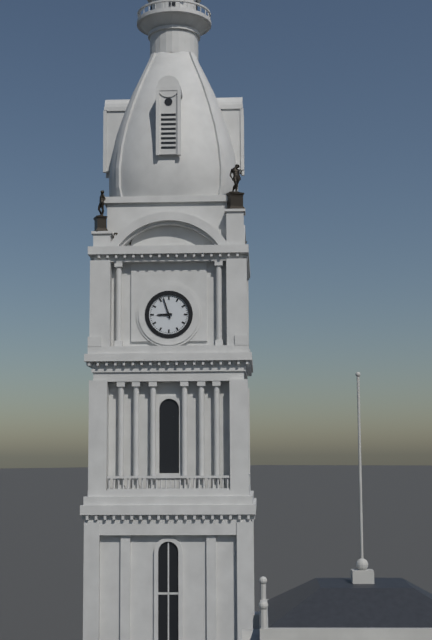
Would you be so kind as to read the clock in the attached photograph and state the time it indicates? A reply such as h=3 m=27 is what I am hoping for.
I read h=8 m=57
